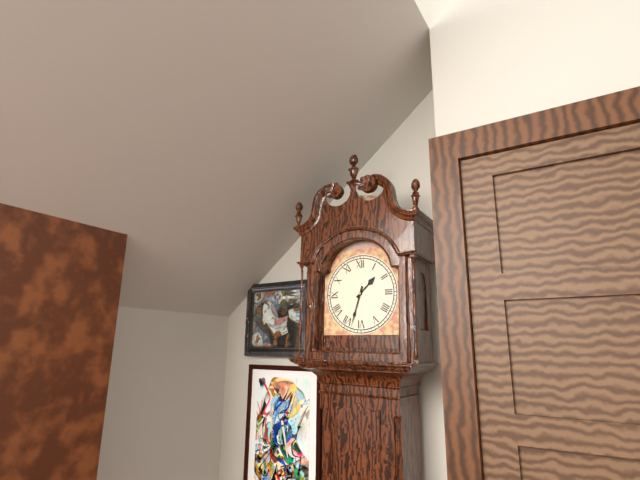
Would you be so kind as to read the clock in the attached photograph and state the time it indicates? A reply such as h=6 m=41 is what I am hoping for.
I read h=1 m=33
